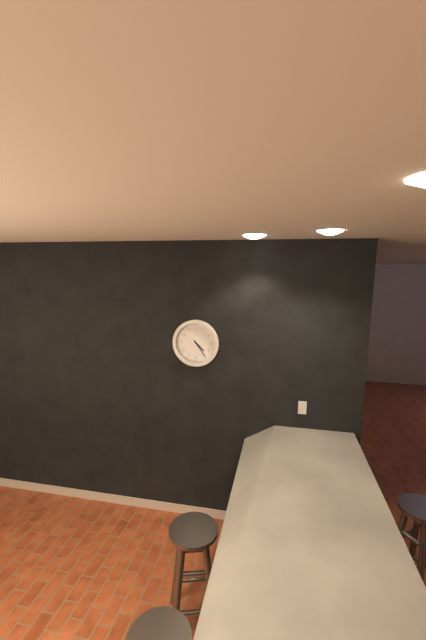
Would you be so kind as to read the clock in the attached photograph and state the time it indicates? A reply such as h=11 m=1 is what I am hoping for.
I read h=4 m=24
